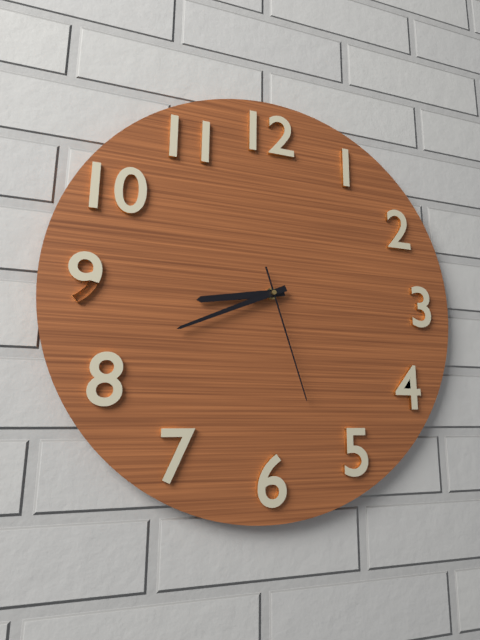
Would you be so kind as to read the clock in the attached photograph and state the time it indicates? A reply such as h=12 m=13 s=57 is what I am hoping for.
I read h=8 m=41 s=27
